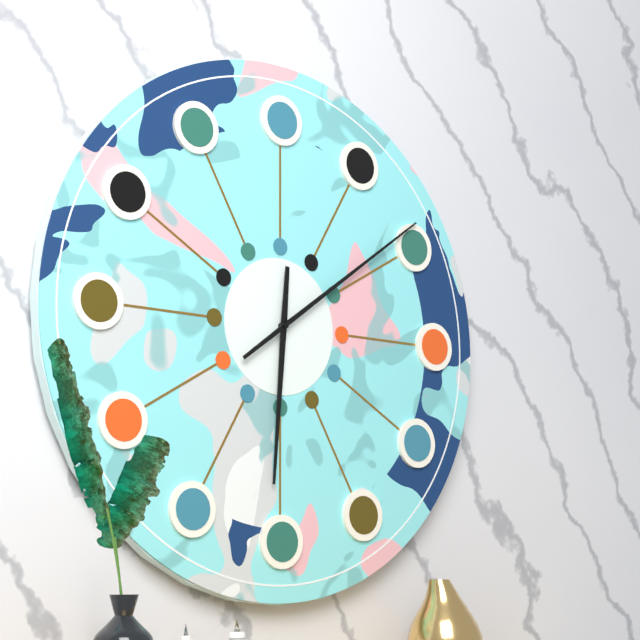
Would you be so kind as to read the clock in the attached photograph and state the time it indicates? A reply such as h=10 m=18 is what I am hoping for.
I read h=6 m=9
